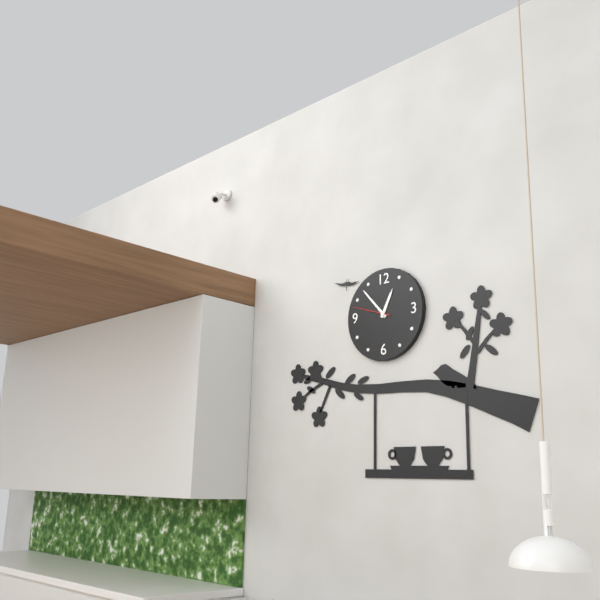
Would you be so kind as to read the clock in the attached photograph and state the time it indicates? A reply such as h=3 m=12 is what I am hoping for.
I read h=12 m=53
